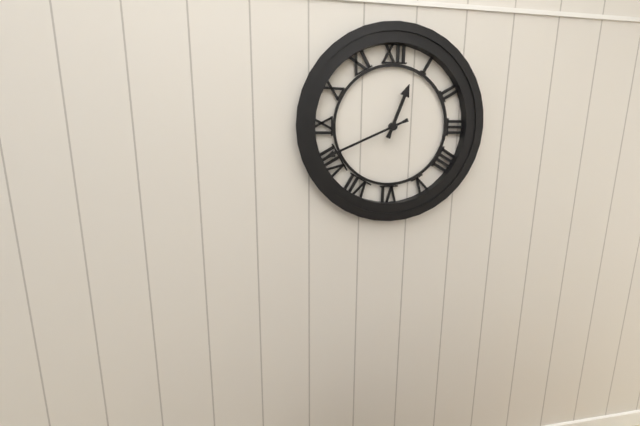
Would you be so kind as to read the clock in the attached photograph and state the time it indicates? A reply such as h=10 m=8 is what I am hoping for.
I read h=12 m=41
